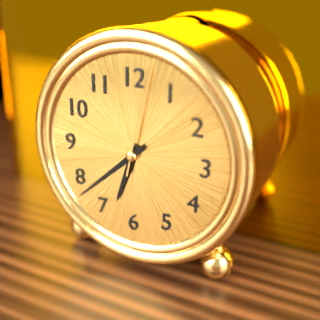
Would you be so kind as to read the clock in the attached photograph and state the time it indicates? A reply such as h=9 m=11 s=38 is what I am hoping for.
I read h=6 m=38 s=2
